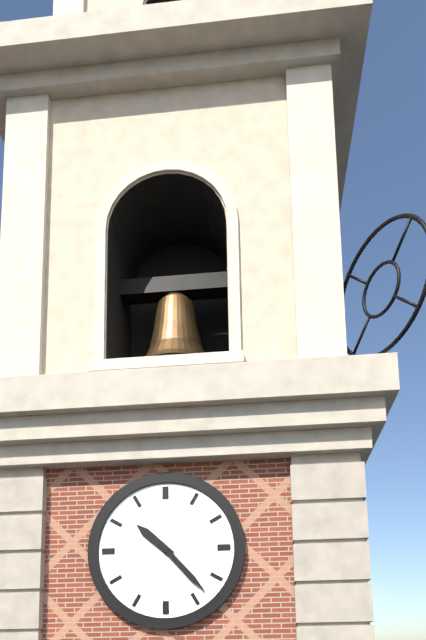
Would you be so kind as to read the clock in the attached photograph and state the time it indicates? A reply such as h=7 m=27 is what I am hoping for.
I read h=10 m=23
